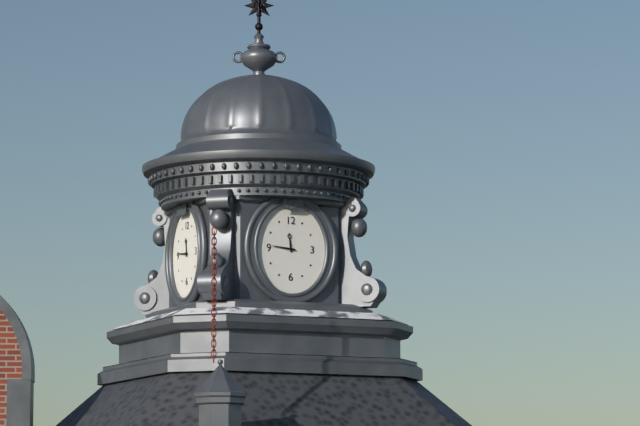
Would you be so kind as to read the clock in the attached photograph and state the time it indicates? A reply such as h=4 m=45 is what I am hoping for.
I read h=11 m=46
